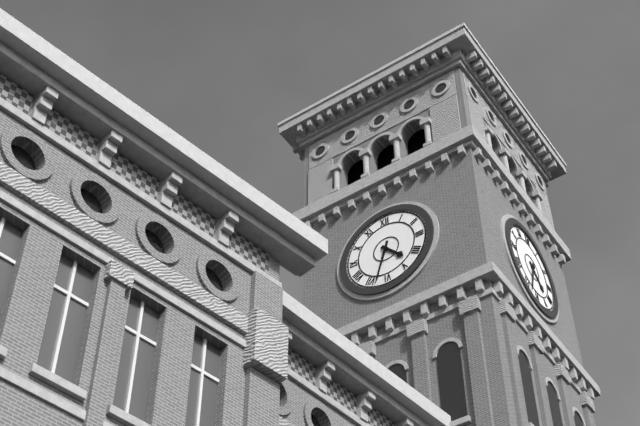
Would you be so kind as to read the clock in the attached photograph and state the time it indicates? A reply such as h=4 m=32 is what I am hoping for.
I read h=4 m=33
